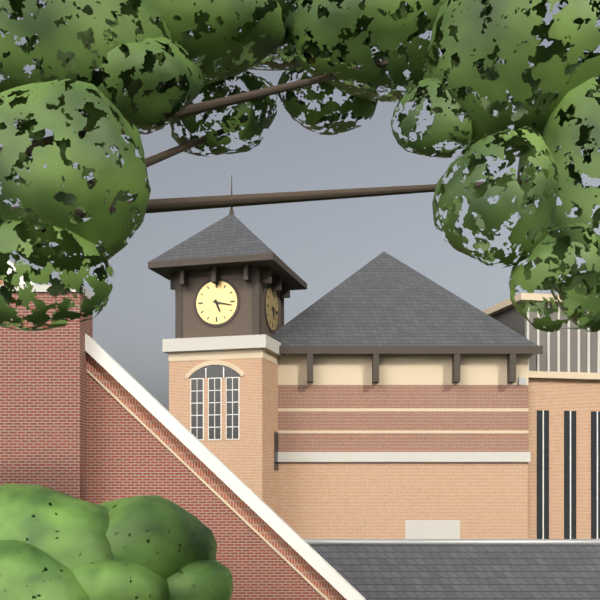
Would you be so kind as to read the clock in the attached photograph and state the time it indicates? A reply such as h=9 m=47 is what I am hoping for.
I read h=5 m=17
